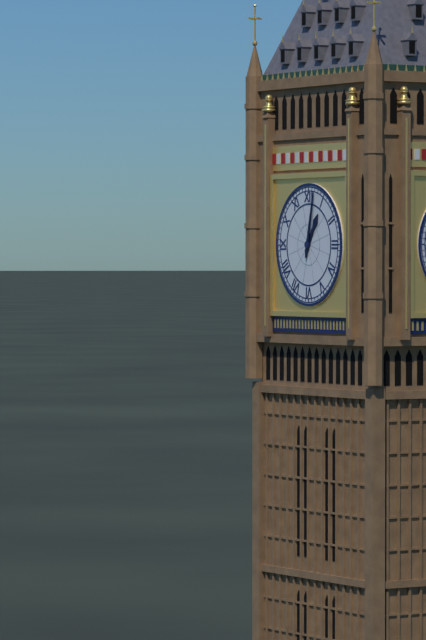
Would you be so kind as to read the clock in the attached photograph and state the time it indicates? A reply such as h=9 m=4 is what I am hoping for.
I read h=1 m=2
